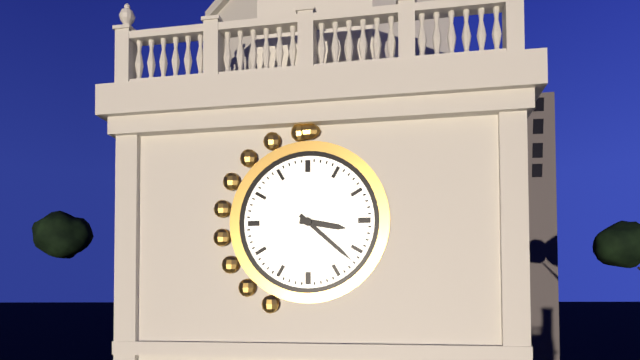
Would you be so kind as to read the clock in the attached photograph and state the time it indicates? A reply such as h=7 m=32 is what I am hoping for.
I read h=3 m=22
